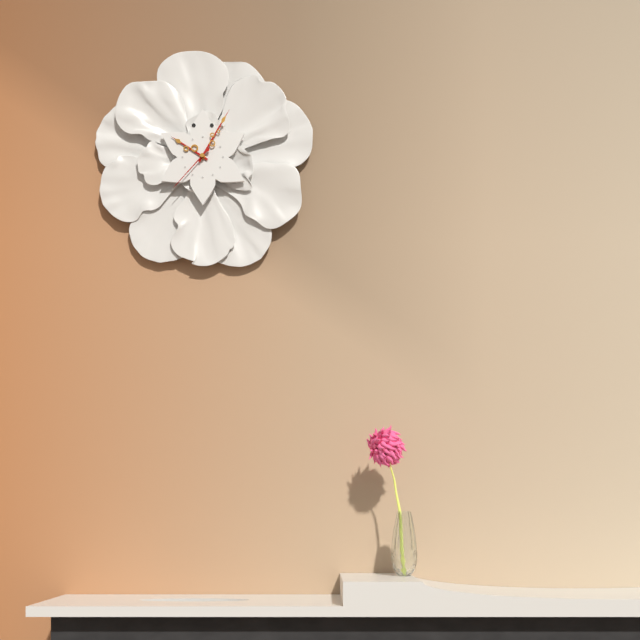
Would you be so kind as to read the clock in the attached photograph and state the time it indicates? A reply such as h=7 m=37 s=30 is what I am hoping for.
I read h=10 m=5 s=37
